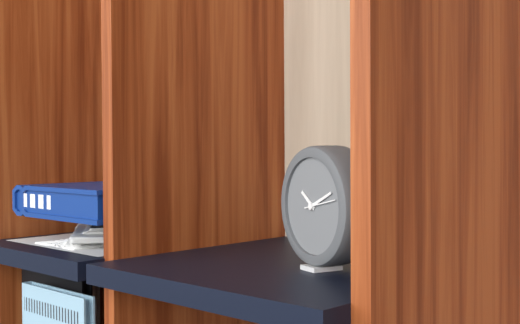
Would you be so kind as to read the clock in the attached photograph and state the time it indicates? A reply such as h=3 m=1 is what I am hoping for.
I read h=10 m=11
